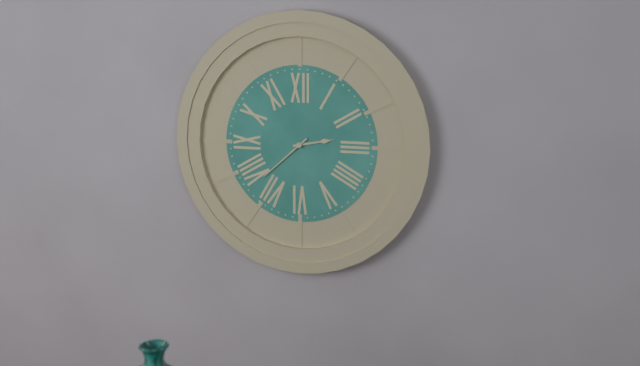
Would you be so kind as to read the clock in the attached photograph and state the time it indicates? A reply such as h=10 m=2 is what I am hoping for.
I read h=2 m=38
